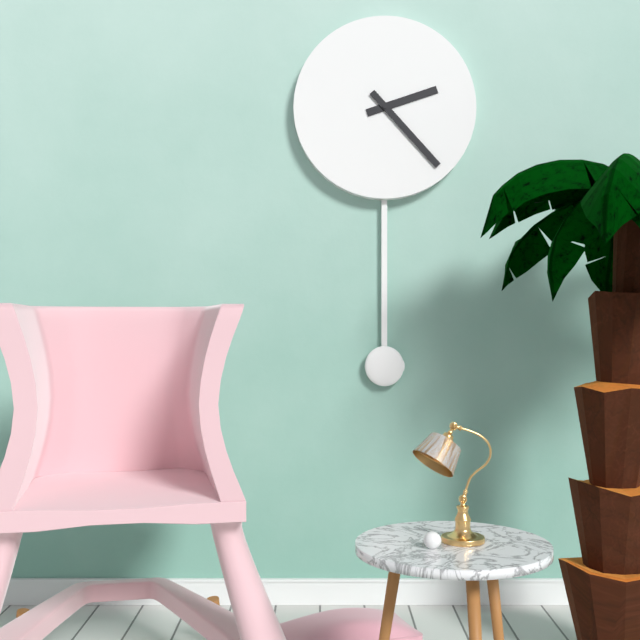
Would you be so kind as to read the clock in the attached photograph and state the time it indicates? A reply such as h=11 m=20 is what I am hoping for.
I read h=2 m=23
